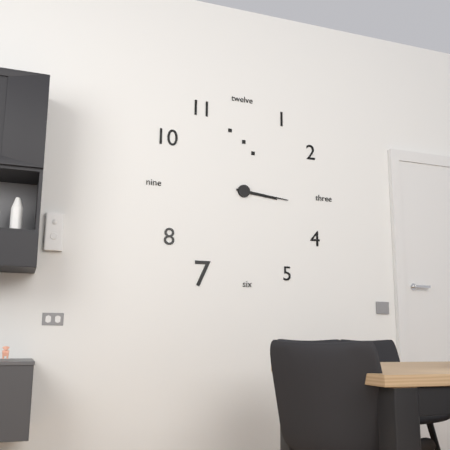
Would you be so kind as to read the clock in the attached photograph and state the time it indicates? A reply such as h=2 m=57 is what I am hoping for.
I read h=3 m=16
